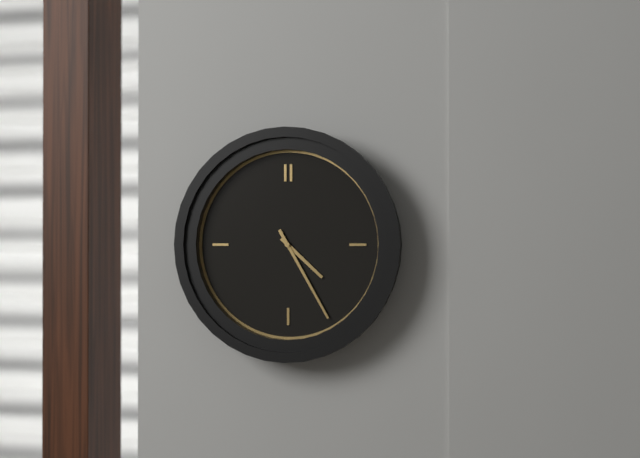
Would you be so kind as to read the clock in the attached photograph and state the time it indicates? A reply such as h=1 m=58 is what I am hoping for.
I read h=4 m=25
